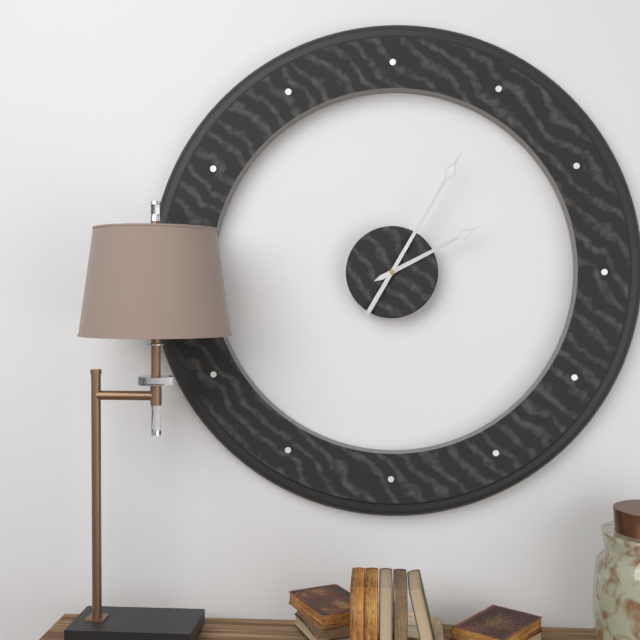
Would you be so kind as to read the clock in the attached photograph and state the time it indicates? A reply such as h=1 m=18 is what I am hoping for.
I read h=2 m=5
